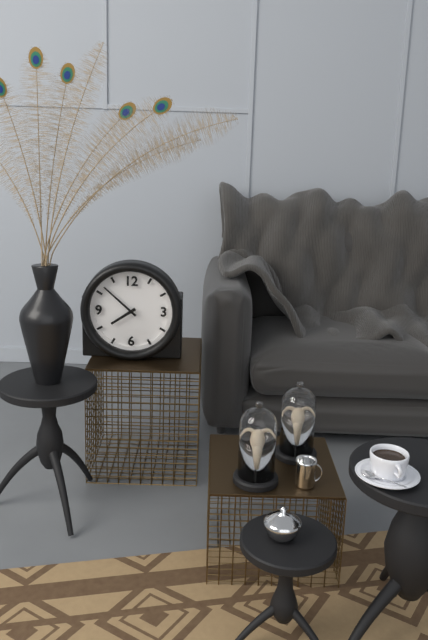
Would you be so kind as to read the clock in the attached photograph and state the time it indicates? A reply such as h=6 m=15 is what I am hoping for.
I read h=7 m=52
